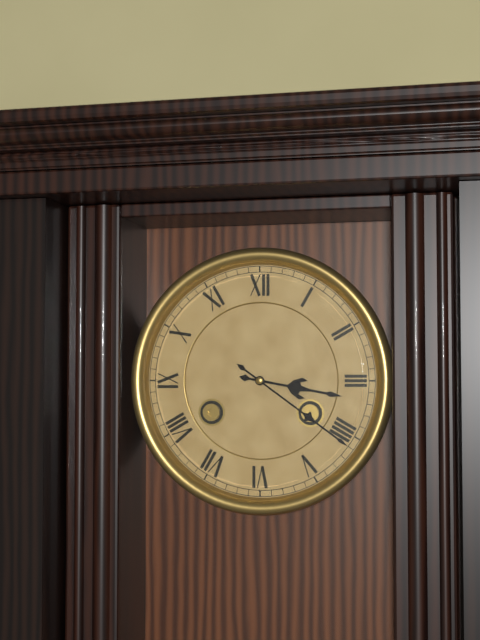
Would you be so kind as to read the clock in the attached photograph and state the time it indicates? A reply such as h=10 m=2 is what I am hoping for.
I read h=3 m=21
